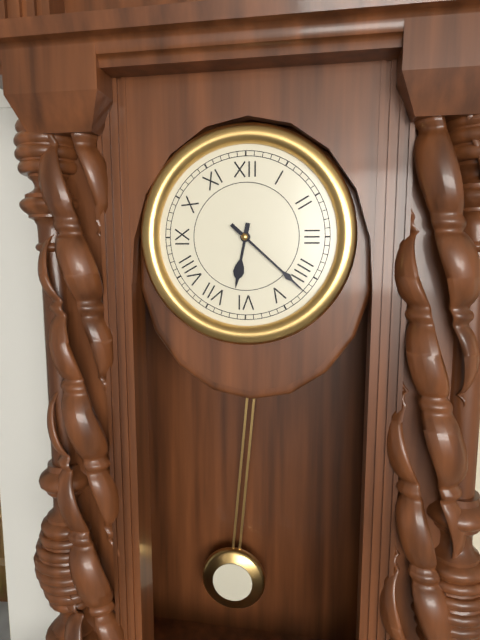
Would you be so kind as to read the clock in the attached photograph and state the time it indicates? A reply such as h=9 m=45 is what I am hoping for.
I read h=6 m=22
